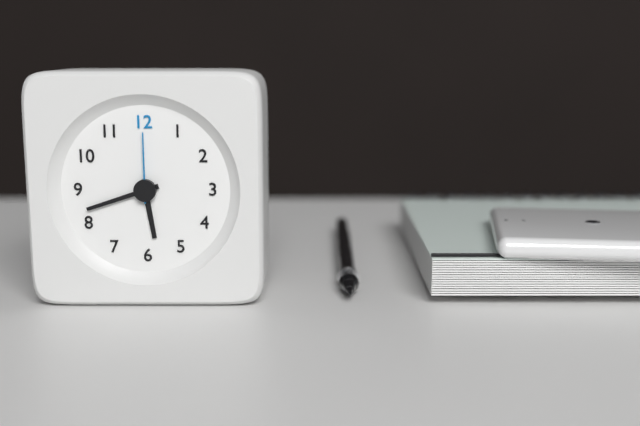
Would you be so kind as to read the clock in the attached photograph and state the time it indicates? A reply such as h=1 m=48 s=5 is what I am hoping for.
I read h=5 m=42 s=0
